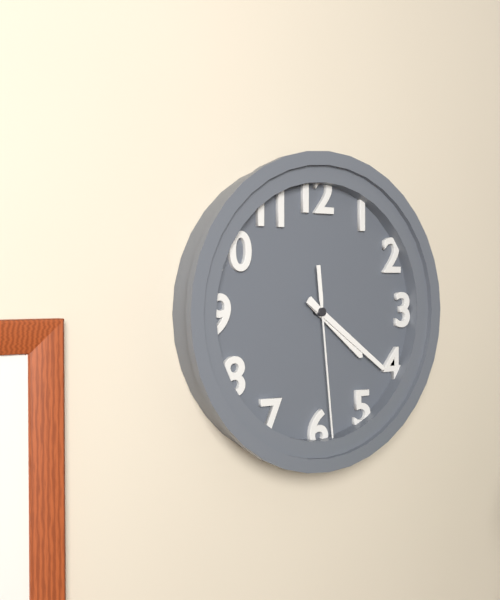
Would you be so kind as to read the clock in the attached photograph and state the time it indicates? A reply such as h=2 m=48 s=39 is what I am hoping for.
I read h=4 m=21 s=29
